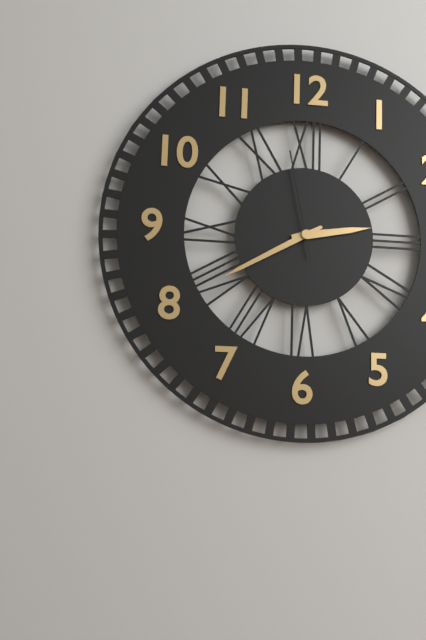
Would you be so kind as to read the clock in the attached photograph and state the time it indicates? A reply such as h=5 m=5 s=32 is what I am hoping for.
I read h=2 m=40 s=58
